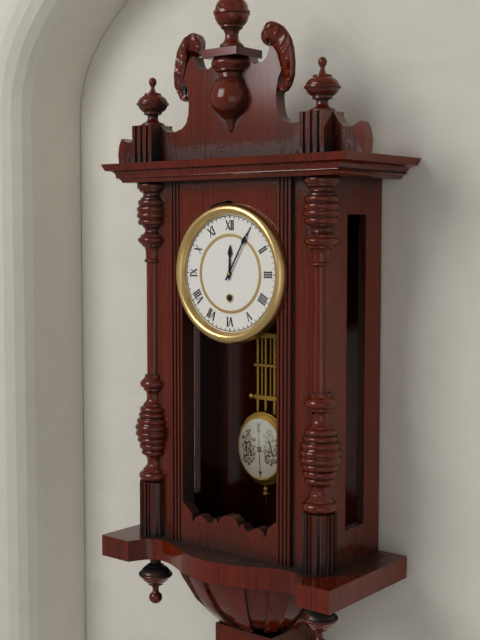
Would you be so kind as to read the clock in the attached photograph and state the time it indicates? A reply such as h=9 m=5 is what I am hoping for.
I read h=12 m=5
